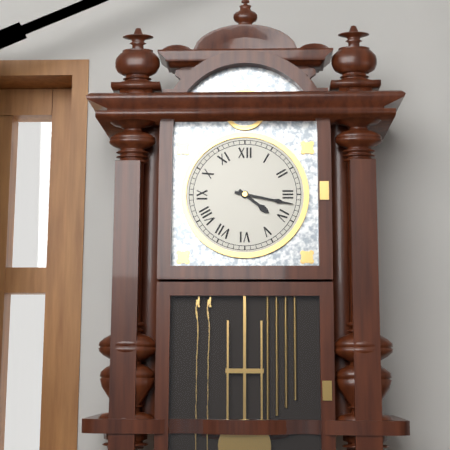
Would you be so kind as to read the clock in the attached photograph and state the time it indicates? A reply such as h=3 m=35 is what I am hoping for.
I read h=4 m=17
